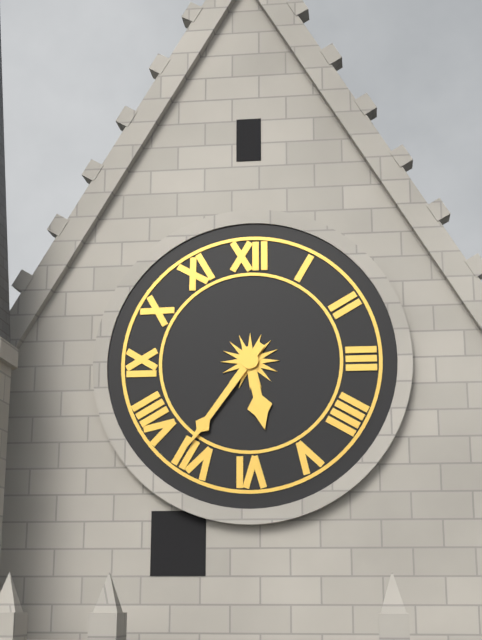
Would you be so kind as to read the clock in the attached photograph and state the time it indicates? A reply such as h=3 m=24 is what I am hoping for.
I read h=5 m=36
